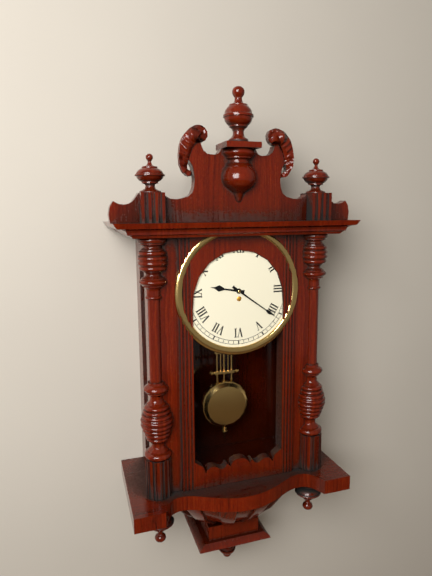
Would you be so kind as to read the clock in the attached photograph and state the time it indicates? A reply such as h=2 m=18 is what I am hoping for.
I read h=9 m=21
